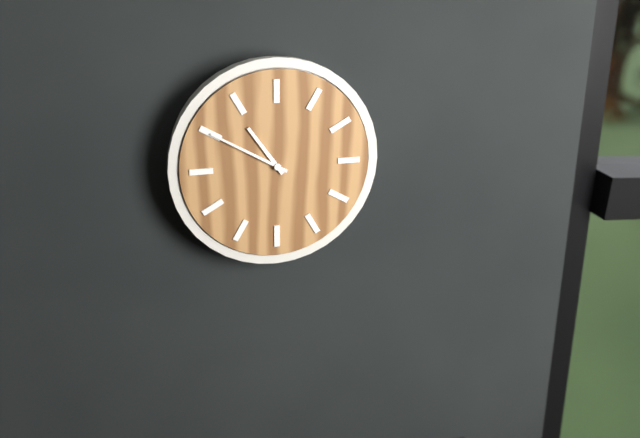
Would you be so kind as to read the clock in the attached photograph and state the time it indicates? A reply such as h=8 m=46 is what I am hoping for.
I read h=10 m=50
